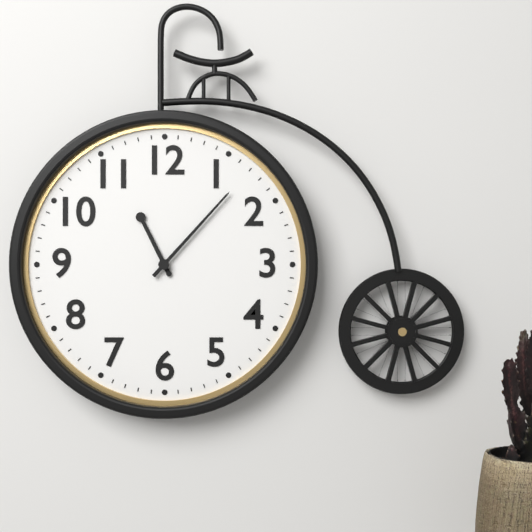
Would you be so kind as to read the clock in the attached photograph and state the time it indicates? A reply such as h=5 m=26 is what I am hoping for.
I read h=11 m=7
